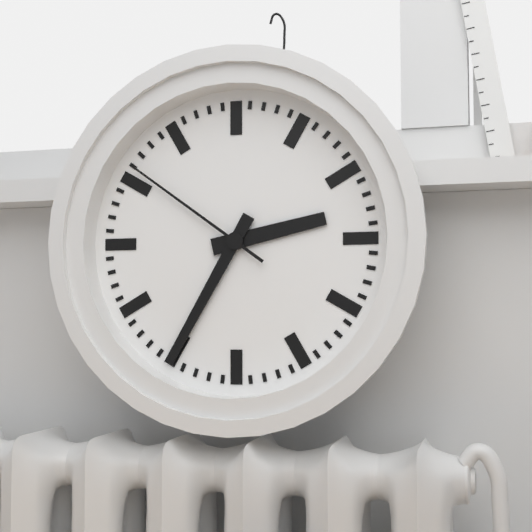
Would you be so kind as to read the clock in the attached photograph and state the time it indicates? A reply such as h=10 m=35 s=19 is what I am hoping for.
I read h=2 m=35 s=51
